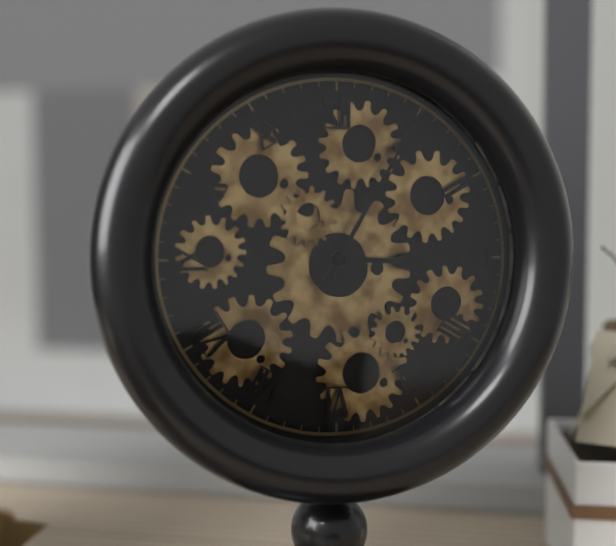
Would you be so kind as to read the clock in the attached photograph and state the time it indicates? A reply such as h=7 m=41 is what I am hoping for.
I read h=3 m=5
